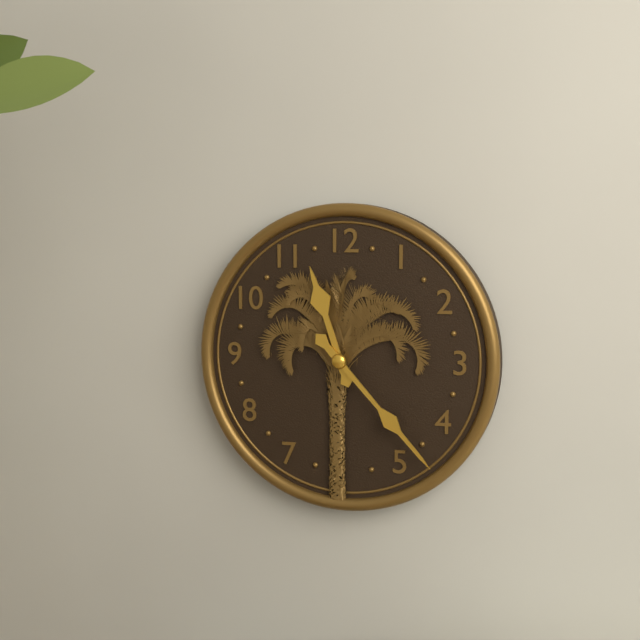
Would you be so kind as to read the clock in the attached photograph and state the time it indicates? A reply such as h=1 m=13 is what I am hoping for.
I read h=11 m=23
